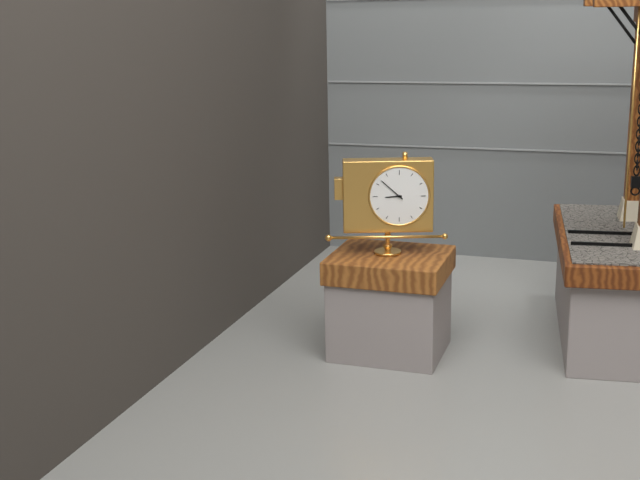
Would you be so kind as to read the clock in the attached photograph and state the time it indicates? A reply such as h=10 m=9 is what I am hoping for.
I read h=8 m=52
